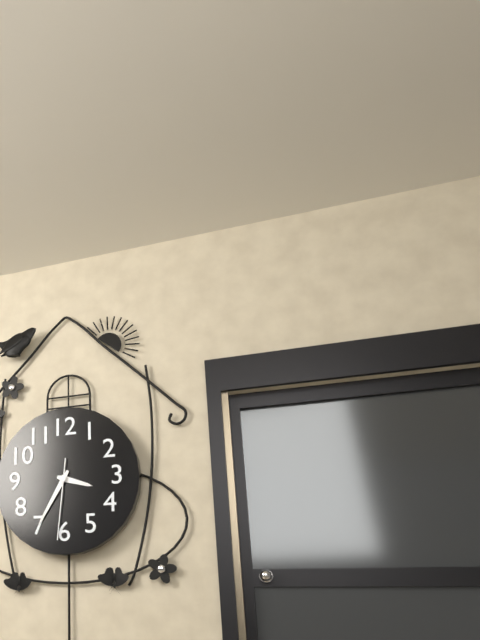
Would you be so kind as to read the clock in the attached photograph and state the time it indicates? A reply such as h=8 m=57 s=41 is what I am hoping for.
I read h=3 m=35 s=31
